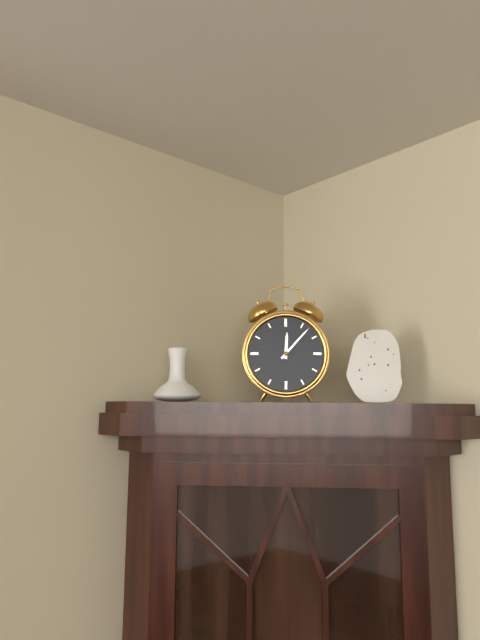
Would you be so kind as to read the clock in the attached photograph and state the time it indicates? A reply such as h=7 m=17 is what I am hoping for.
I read h=12 m=7
